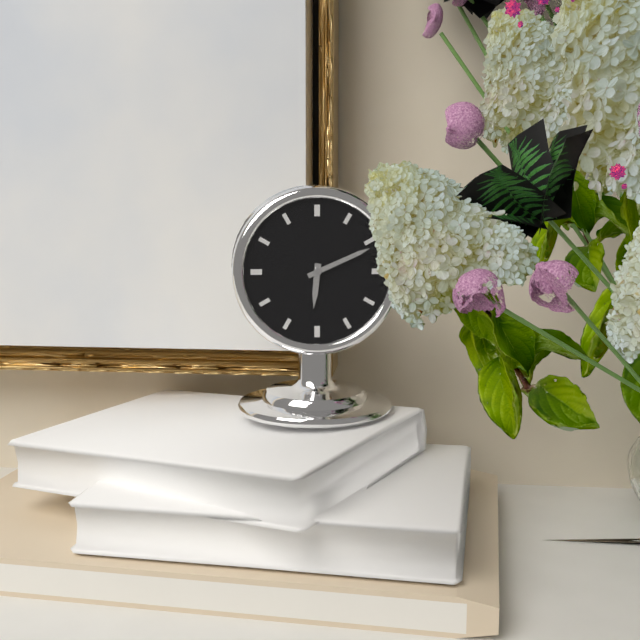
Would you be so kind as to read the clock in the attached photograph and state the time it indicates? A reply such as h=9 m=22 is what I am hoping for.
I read h=6 m=11
